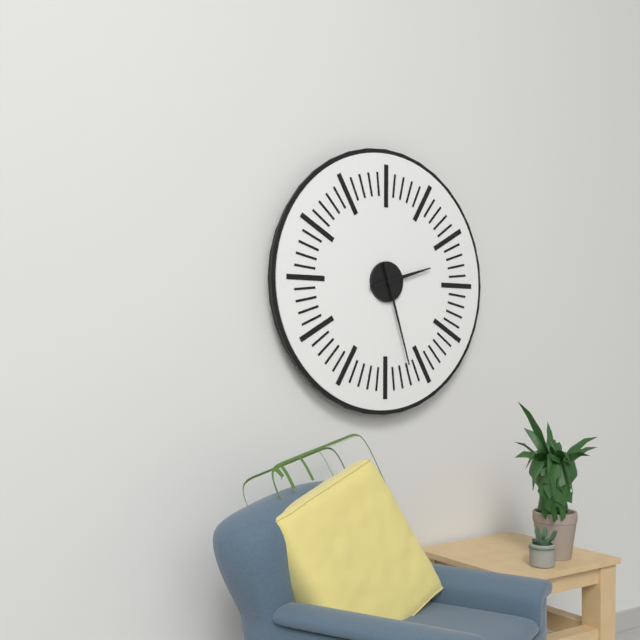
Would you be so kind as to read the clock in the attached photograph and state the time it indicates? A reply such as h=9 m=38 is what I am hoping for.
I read h=2 m=27
